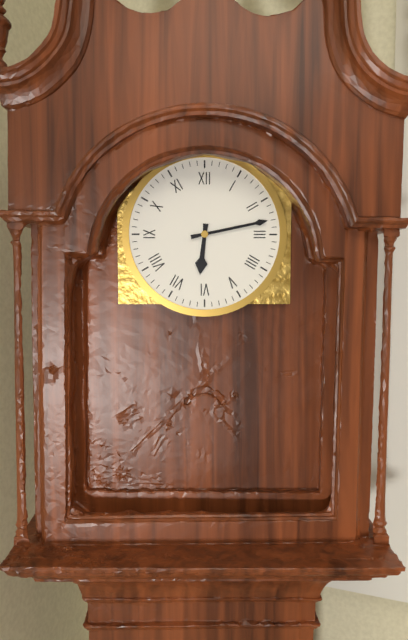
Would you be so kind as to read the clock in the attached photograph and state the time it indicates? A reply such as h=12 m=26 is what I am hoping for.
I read h=6 m=13
